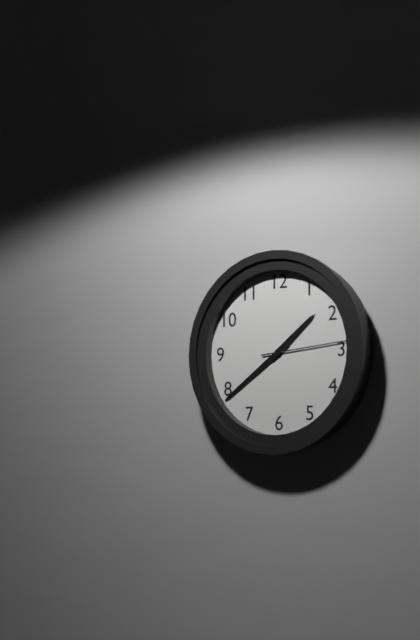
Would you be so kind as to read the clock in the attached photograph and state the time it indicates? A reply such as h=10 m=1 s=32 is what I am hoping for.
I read h=1 m=39 s=14
